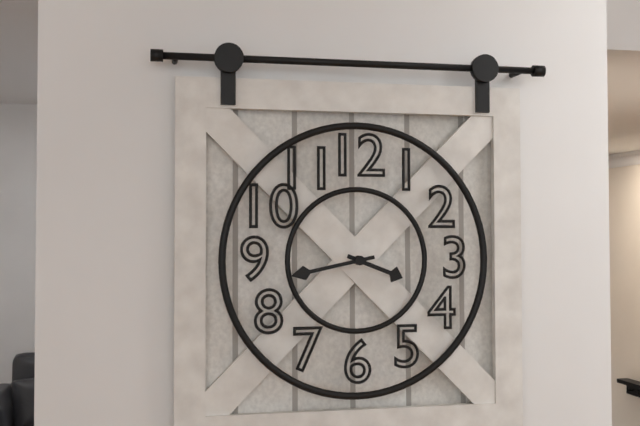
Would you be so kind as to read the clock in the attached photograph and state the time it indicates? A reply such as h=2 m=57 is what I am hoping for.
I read h=3 m=43
